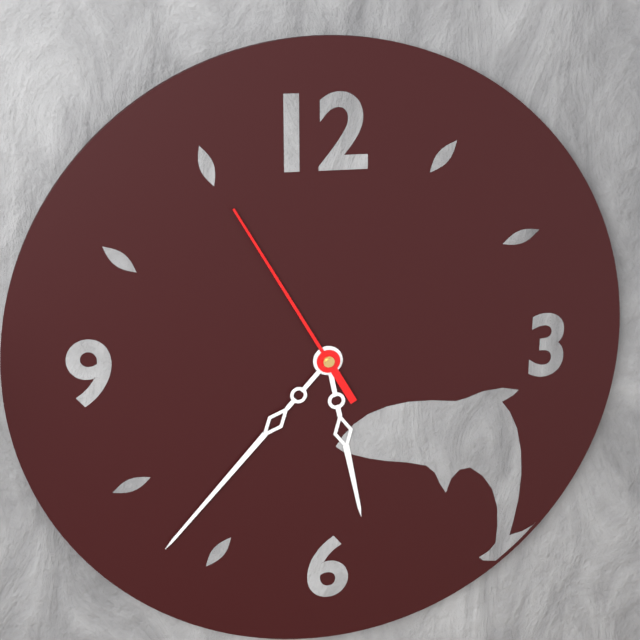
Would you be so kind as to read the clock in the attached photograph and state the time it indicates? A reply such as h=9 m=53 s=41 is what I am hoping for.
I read h=5 m=37 s=55
